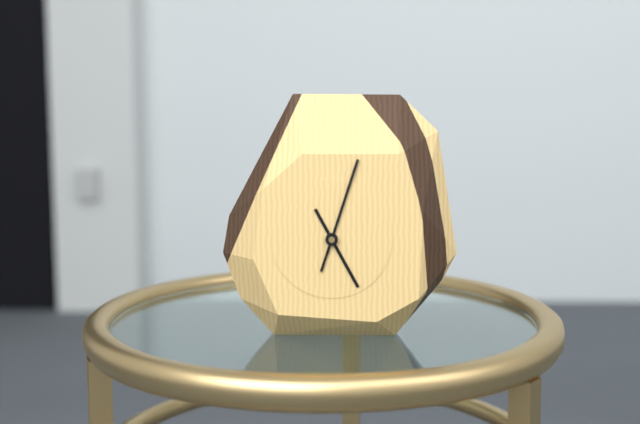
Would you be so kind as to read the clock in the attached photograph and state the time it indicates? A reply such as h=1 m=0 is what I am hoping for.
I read h=5 m=3
